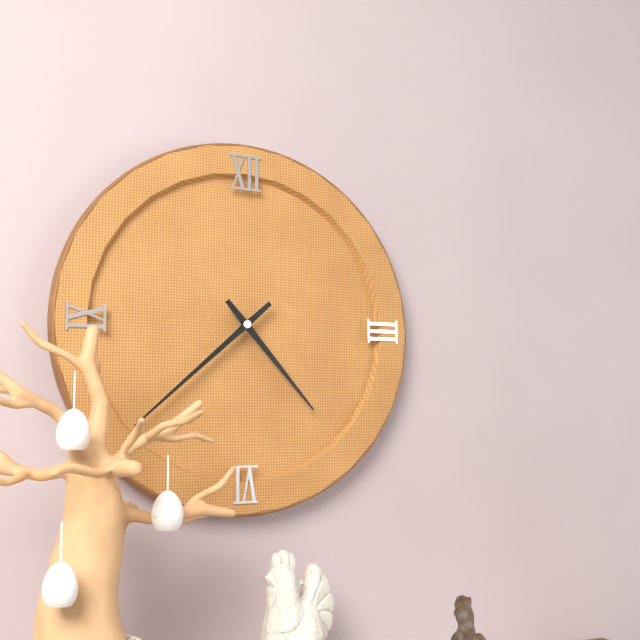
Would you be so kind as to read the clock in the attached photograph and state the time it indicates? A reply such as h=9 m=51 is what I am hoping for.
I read h=4 m=38
